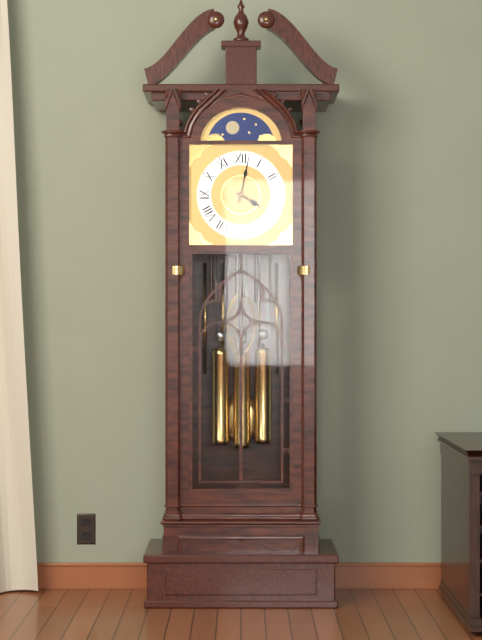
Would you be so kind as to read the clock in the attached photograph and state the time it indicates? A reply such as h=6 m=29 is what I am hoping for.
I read h=4 m=2
